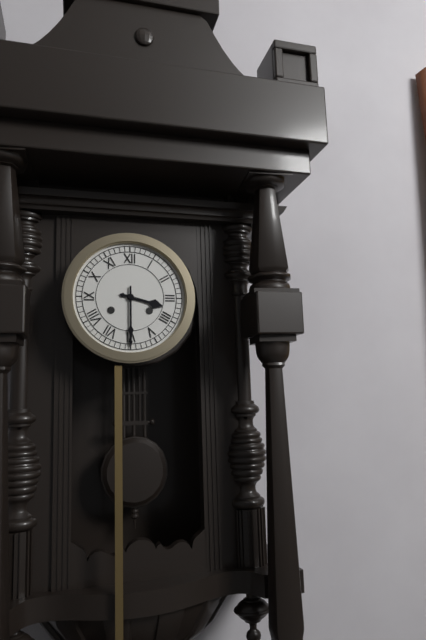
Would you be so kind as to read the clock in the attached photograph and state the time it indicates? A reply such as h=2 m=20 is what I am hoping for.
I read h=3 m=30
